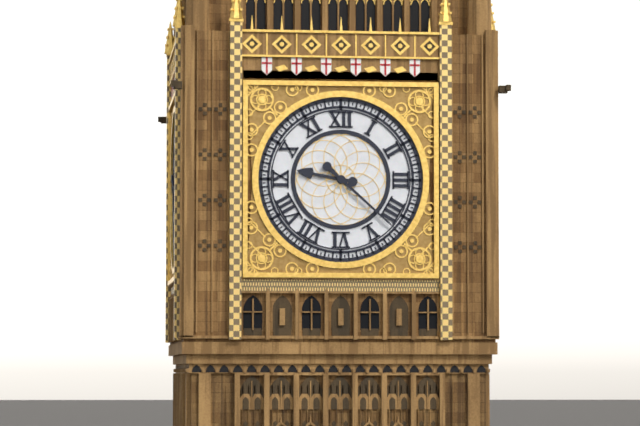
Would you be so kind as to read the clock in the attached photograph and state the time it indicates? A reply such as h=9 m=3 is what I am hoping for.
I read h=9 m=22
